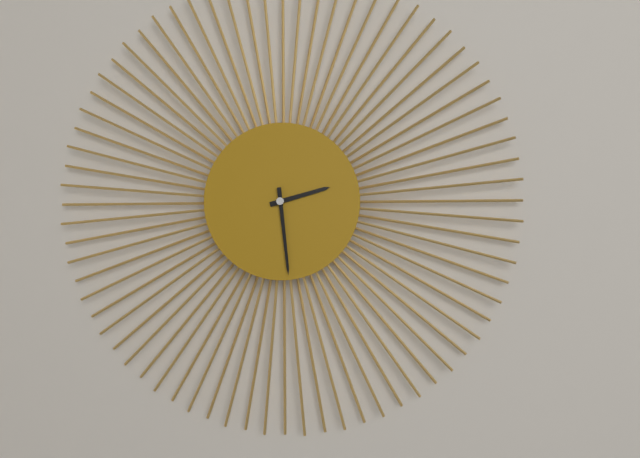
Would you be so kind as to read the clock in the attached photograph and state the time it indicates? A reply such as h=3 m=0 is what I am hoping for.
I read h=2 m=29
